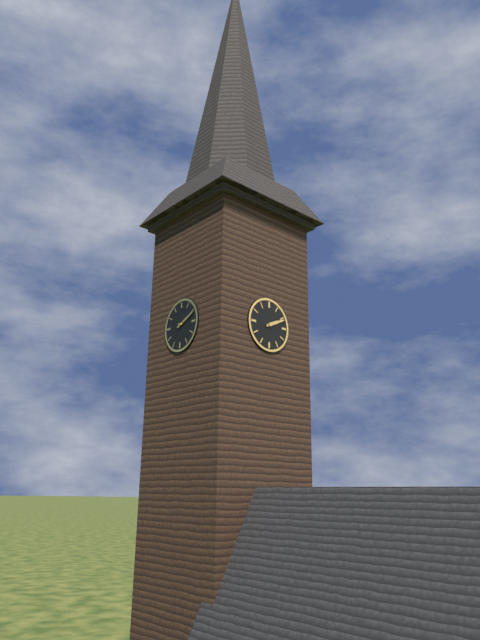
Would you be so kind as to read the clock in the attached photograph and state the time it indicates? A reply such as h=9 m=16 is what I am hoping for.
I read h=2 m=11
